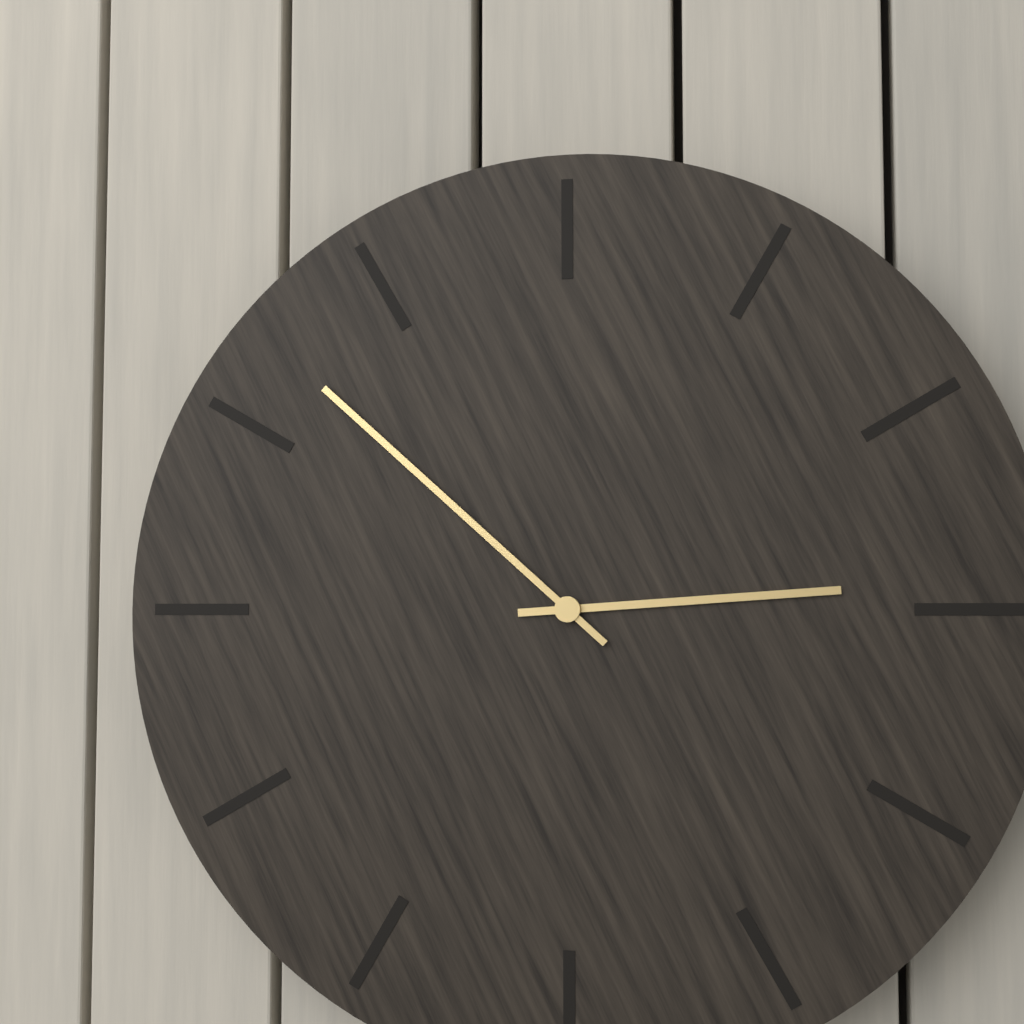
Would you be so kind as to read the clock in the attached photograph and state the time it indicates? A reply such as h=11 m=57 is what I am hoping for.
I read h=2 m=52
